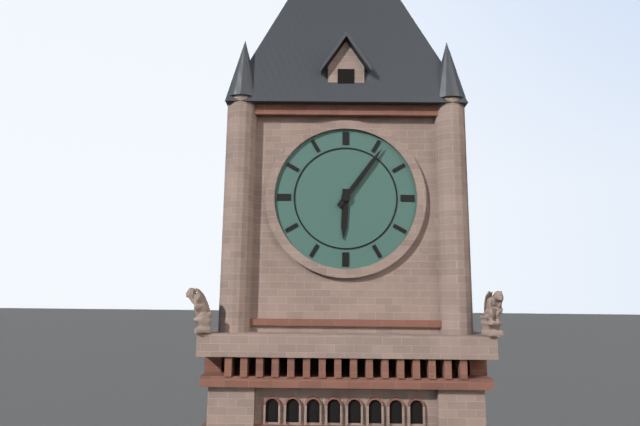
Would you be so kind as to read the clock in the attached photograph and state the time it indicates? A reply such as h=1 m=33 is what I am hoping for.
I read h=6 m=6
